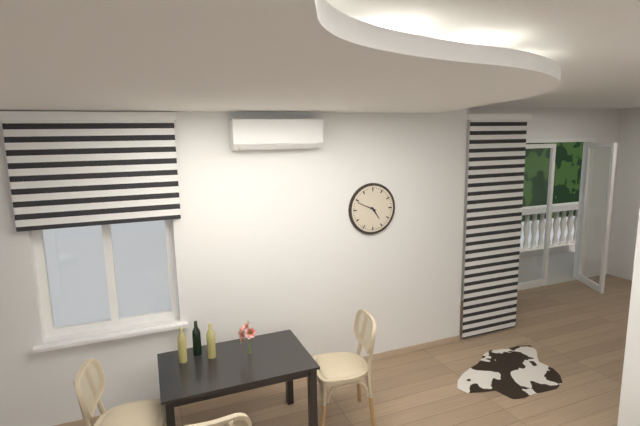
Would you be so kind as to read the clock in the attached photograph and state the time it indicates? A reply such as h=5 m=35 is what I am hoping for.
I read h=4 m=49
